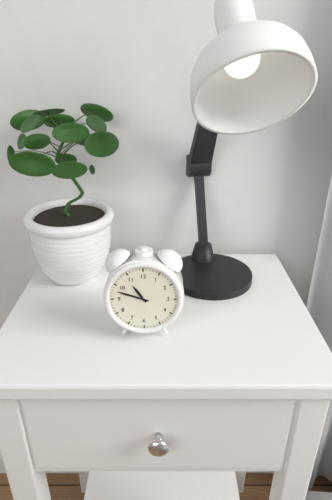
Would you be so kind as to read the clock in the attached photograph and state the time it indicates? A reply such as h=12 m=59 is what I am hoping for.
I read h=10 m=48
